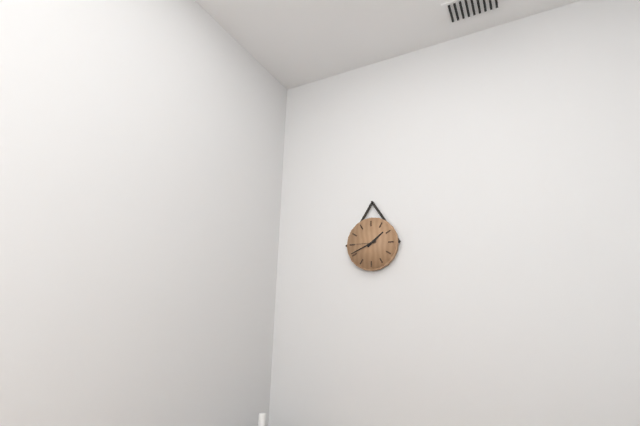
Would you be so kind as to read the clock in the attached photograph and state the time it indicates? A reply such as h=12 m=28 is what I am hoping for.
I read h=1 m=41
